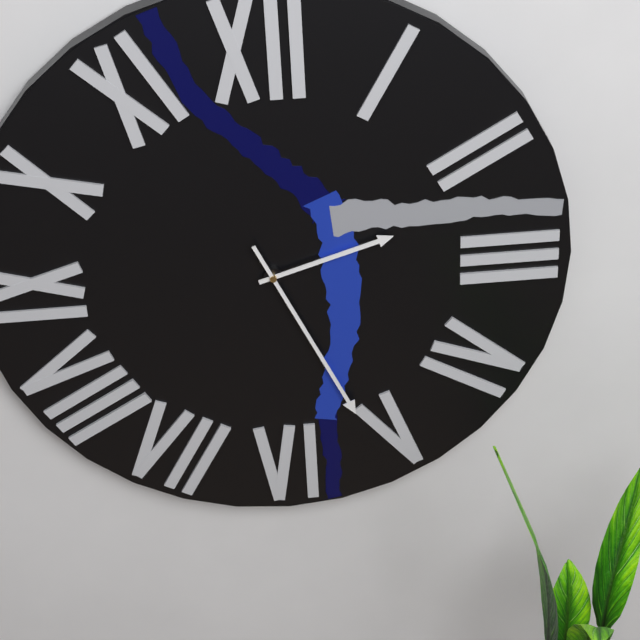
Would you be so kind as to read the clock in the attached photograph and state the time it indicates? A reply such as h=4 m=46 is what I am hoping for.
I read h=2 m=26
